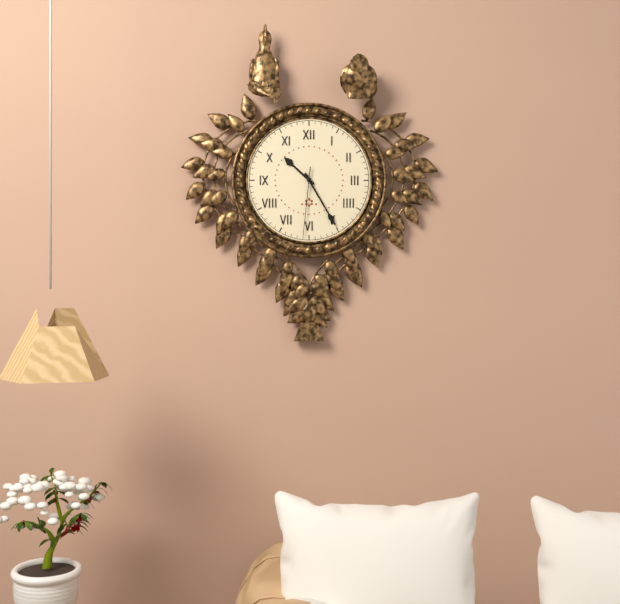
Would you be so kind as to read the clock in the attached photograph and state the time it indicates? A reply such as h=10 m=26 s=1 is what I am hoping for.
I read h=10 m=25 s=31
